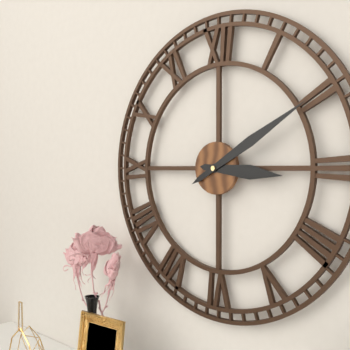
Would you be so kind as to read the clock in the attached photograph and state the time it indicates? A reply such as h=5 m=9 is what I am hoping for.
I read h=3 m=10
